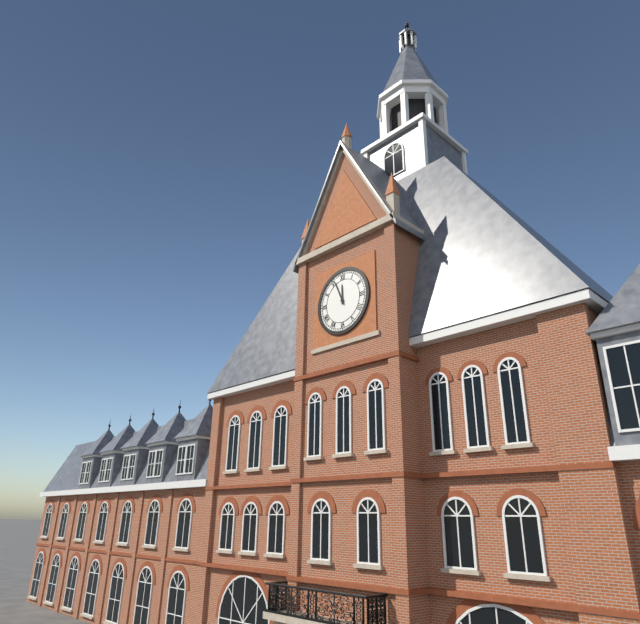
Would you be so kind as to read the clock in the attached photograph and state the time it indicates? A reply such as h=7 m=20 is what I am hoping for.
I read h=11 m=56
